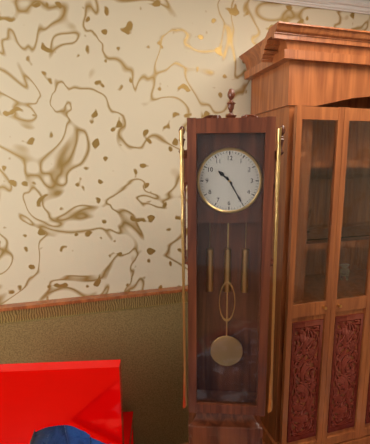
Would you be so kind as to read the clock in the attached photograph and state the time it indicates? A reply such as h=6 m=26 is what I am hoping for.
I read h=10 m=25
